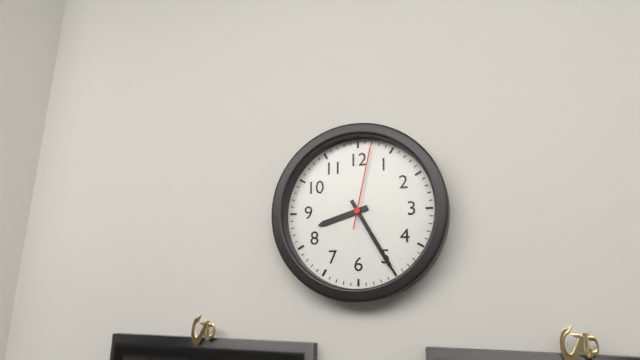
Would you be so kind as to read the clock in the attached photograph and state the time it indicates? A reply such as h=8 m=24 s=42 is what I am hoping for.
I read h=8 m=25 s=2
